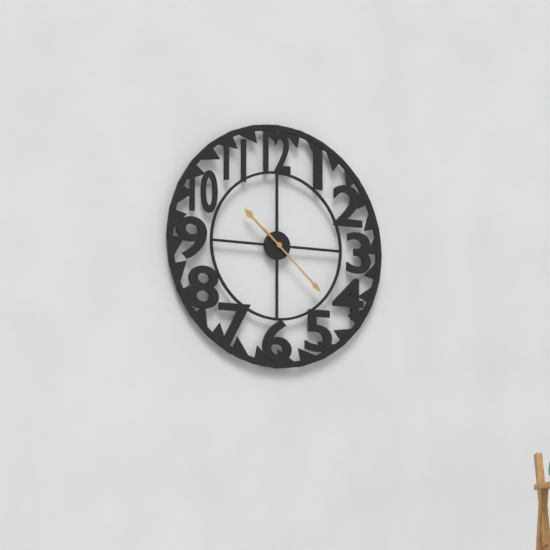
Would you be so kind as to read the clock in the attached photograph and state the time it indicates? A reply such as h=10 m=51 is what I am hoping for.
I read h=10 m=22
